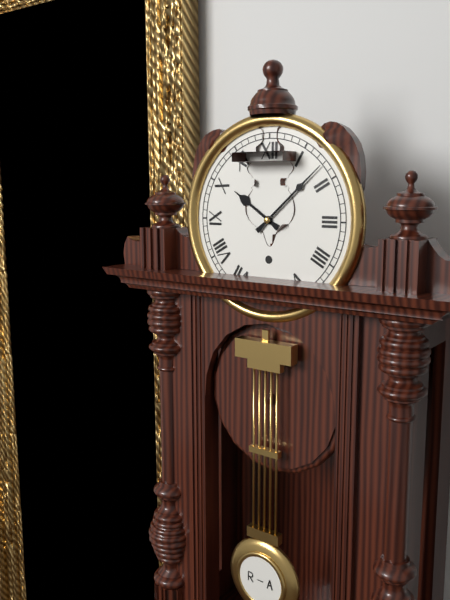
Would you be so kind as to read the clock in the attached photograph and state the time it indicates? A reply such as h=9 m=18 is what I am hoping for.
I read h=10 m=8
